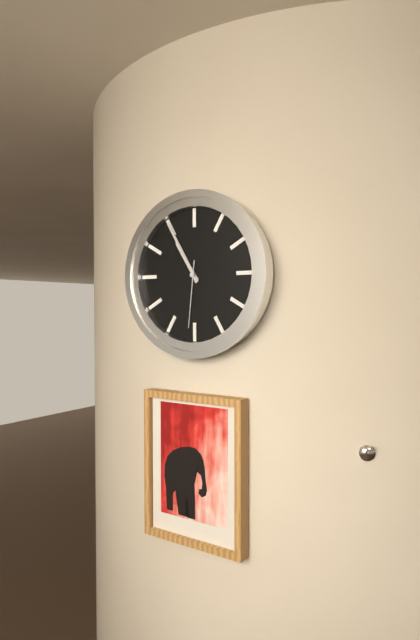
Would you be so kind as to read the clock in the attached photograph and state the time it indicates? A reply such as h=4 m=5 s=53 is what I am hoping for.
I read h=10 m=55 s=31
